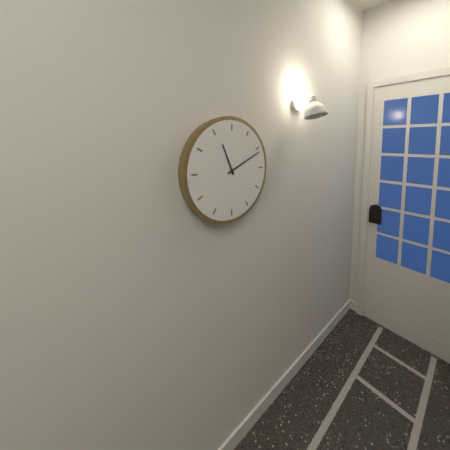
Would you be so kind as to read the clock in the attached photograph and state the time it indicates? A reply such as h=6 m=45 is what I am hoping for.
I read h=11 m=11
